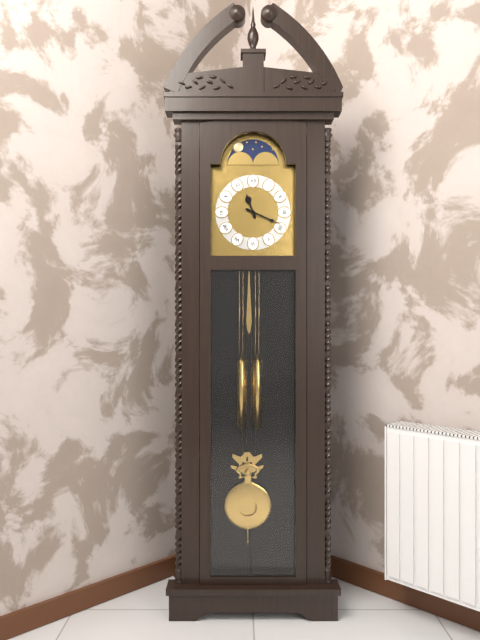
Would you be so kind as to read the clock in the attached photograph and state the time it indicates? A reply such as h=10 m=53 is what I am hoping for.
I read h=11 m=19
